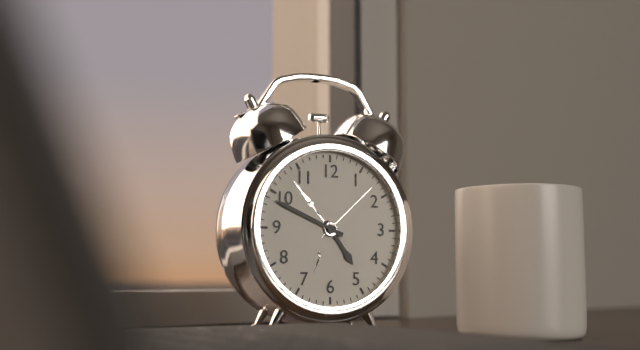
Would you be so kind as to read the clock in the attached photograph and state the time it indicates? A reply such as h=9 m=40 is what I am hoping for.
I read h=4 m=49
